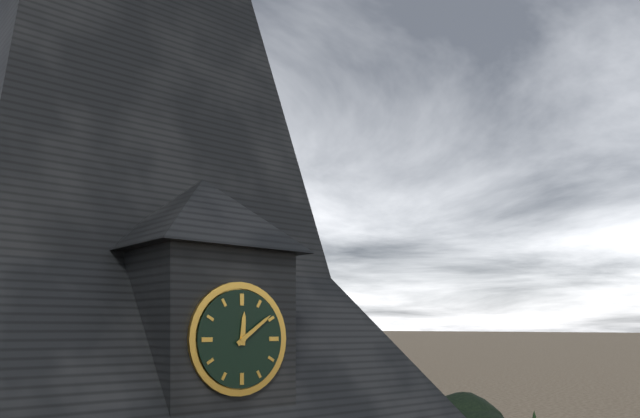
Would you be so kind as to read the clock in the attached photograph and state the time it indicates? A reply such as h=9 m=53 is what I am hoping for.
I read h=12 m=9
